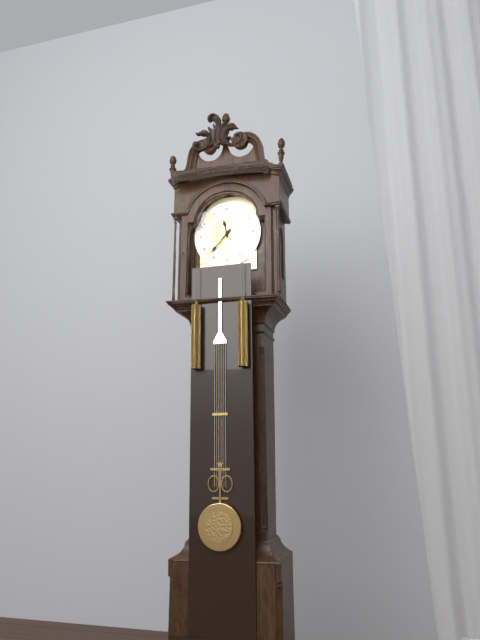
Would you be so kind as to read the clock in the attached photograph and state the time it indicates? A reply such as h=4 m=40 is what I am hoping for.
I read h=11 m=37
